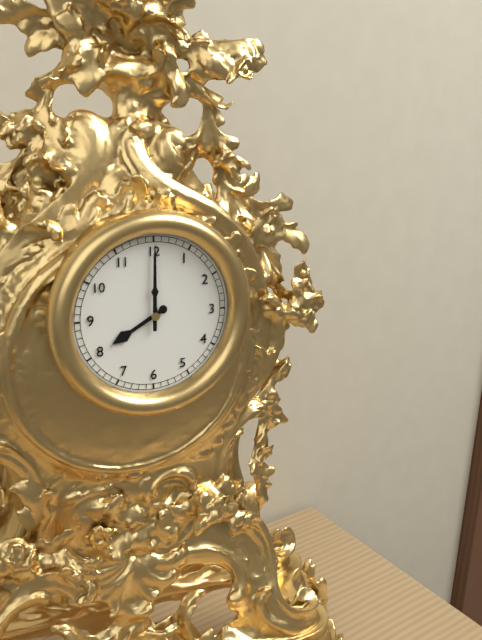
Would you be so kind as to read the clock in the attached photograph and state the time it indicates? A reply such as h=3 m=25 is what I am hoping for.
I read h=8 m=0
